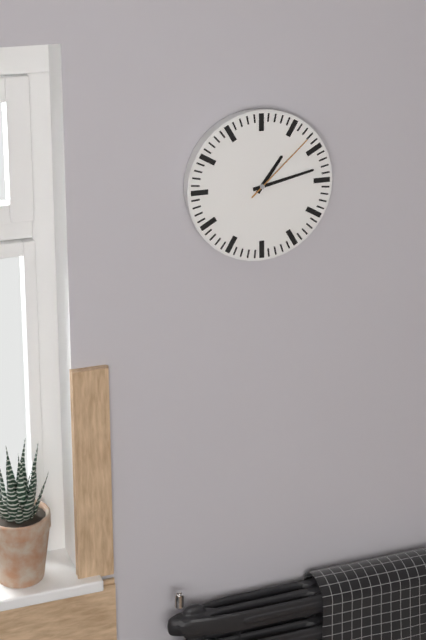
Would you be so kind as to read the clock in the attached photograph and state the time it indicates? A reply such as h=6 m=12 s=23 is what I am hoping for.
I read h=1 m=13 s=8
